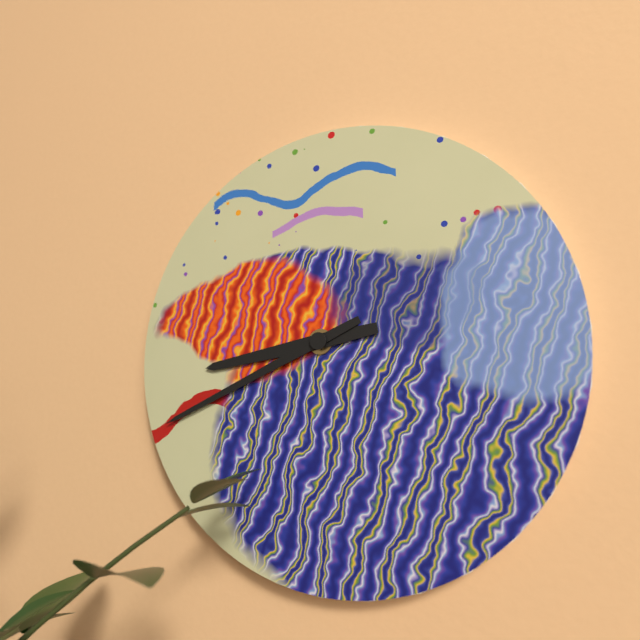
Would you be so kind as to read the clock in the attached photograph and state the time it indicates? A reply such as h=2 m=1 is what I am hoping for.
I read h=8 m=41
